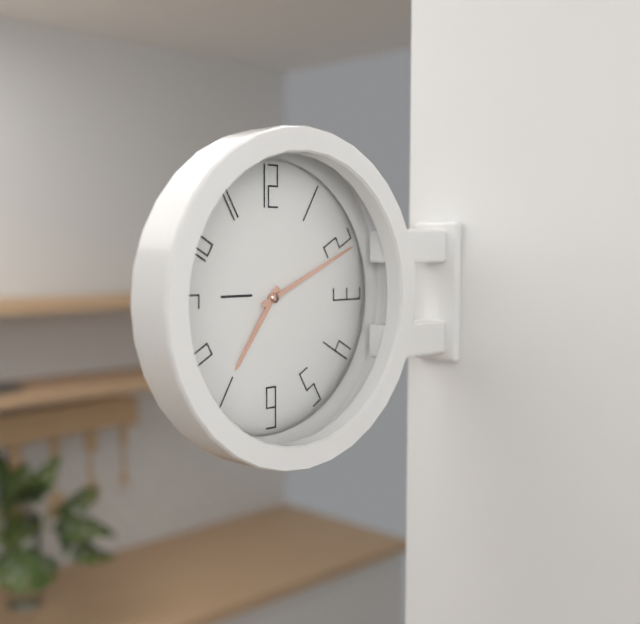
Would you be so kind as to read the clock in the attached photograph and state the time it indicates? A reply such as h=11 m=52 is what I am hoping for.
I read h=7 m=11
